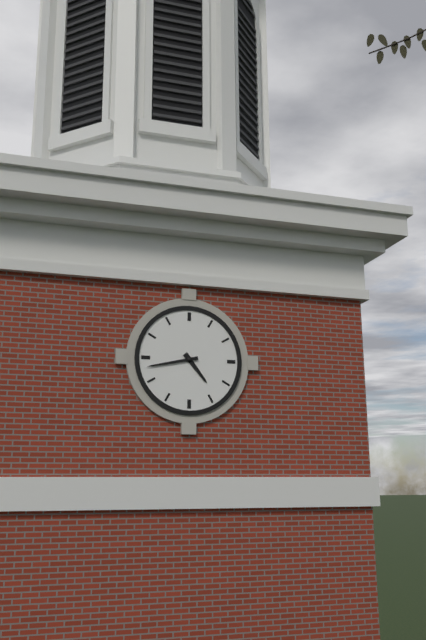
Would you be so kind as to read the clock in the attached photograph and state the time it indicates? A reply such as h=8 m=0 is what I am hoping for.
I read h=4 m=43
